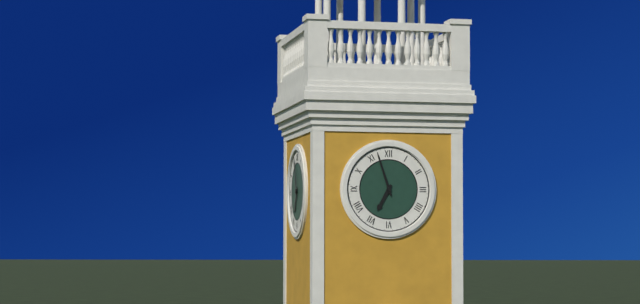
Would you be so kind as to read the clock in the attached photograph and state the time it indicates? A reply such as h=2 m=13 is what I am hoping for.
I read h=6 m=57
